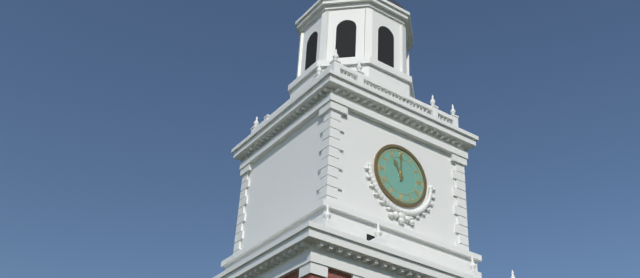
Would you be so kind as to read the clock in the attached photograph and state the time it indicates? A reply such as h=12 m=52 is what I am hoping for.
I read h=11 m=0
